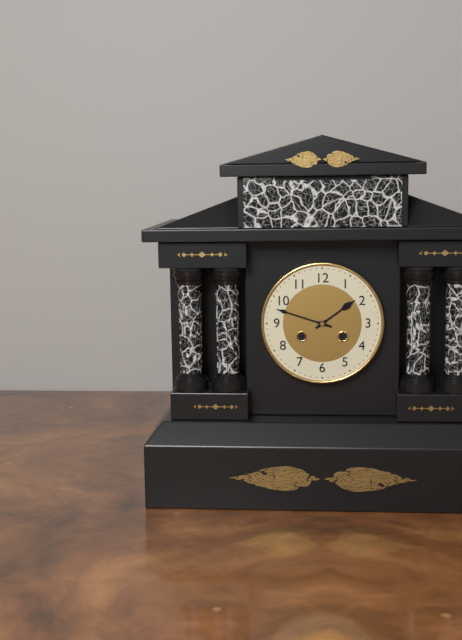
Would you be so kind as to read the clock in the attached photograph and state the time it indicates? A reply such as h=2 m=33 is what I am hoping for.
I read h=1 m=48
